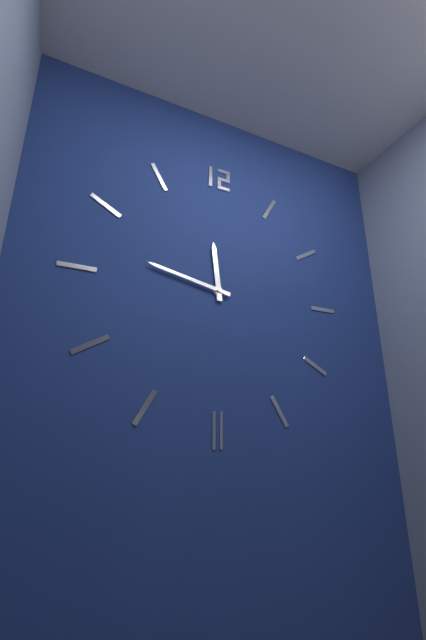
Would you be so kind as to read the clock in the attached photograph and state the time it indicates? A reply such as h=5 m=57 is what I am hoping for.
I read h=11 m=47
